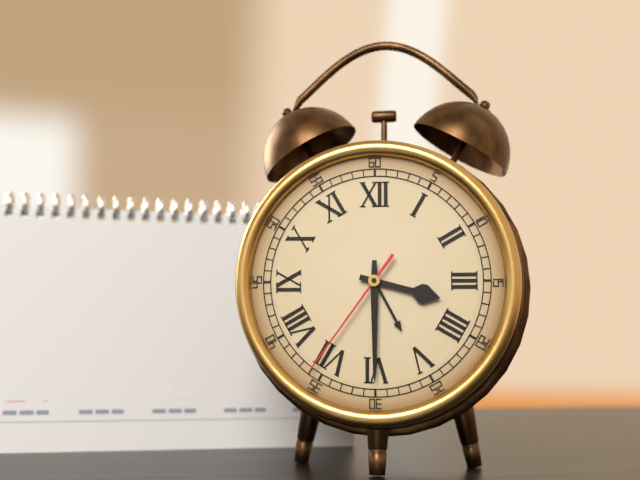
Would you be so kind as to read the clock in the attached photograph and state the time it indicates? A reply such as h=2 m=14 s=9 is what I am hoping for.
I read h=3 m=30 s=36
